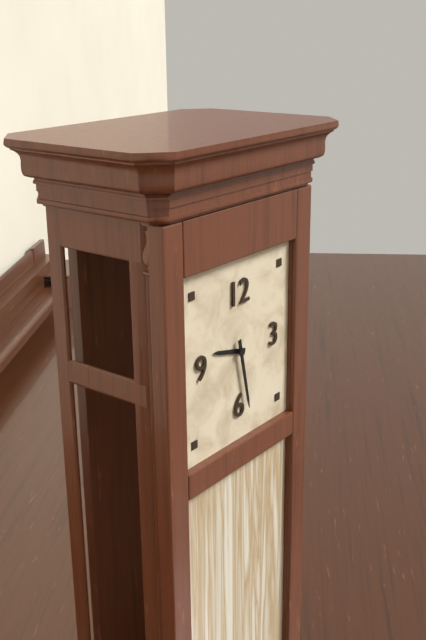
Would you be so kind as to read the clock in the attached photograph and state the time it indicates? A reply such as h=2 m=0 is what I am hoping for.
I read h=9 m=28
